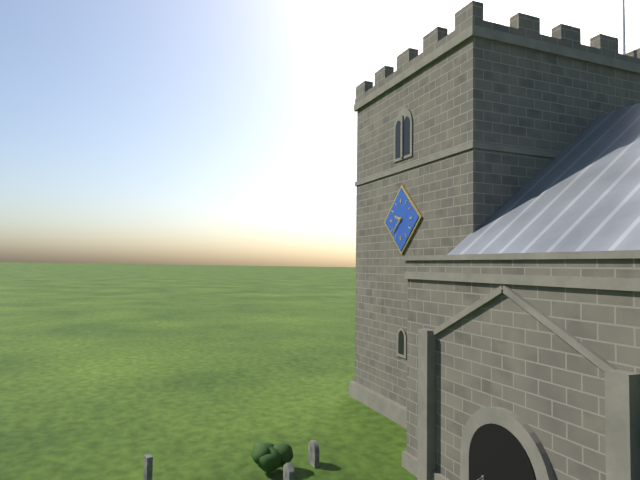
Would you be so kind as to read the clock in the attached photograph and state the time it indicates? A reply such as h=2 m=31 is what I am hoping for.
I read h=9 m=38
